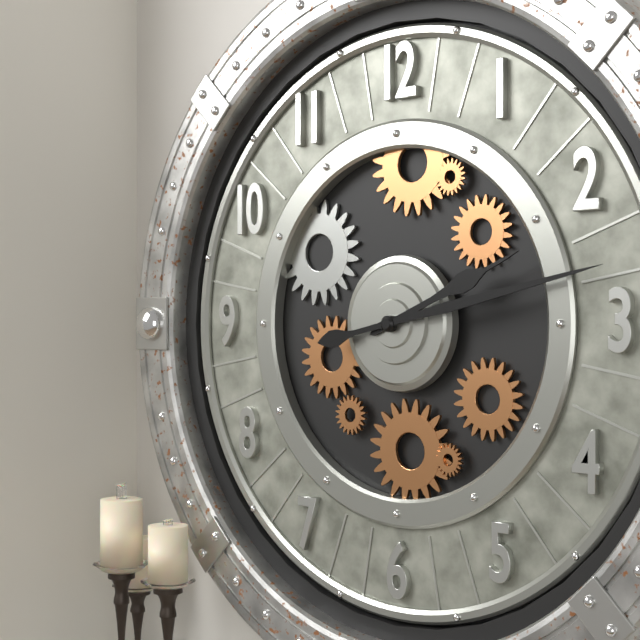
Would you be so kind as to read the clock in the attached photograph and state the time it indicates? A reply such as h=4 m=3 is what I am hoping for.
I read h=2 m=13
